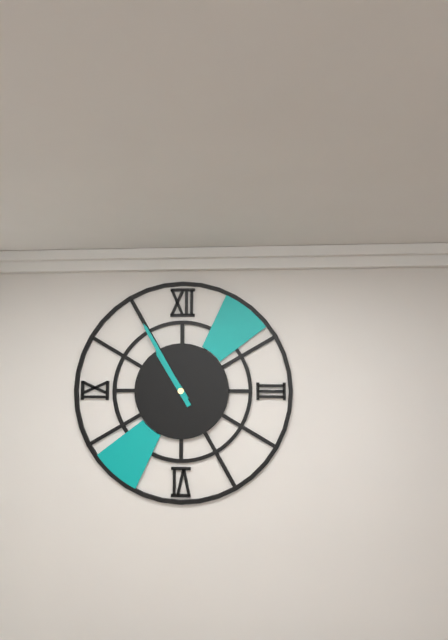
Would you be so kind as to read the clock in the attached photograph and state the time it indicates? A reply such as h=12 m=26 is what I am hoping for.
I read h=10 m=55
